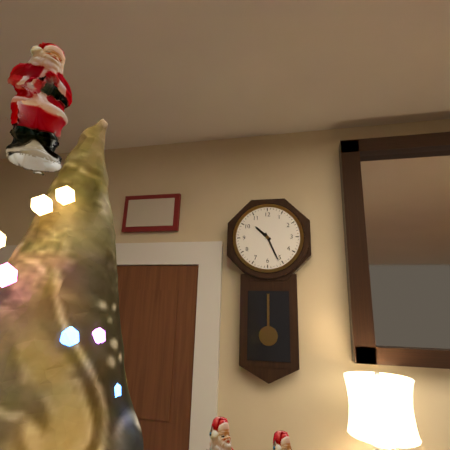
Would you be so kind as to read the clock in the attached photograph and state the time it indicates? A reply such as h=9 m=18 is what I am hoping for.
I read h=10 m=26
